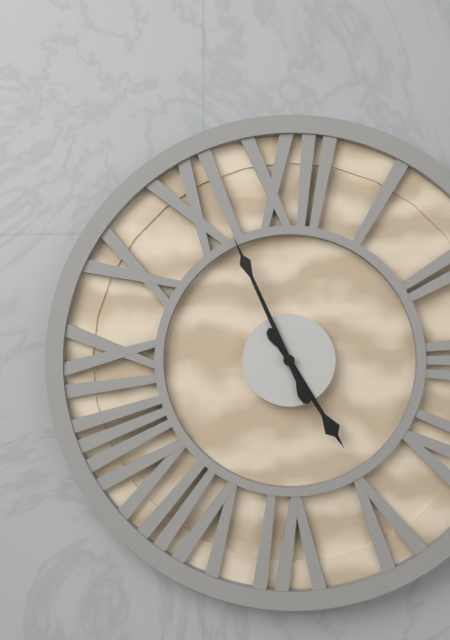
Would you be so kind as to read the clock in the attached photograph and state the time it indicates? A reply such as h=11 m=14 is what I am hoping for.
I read h=4 m=56
